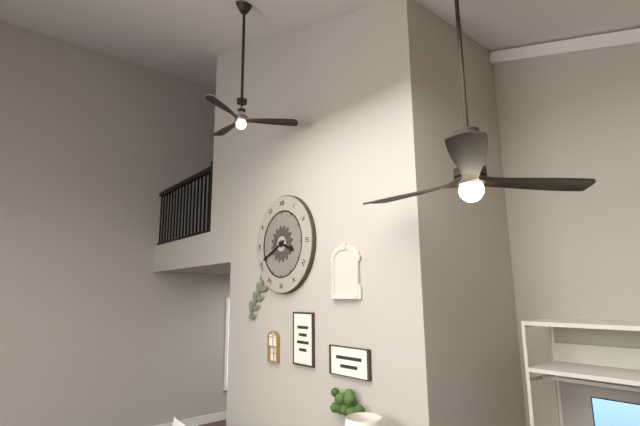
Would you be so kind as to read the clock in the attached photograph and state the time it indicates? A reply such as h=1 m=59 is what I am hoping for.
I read h=3 m=41
